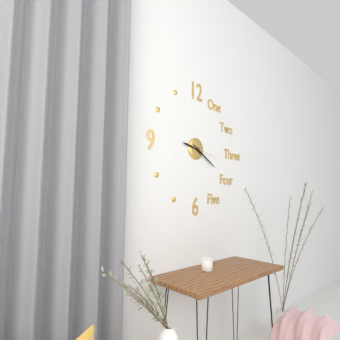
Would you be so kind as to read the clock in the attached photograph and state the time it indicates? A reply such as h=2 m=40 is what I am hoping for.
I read h=9 m=20
